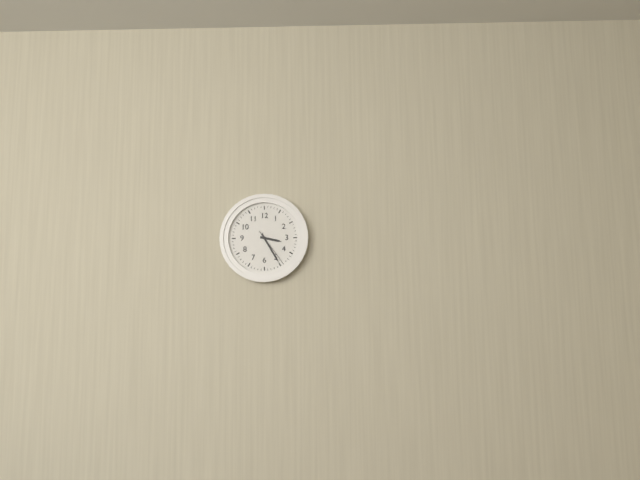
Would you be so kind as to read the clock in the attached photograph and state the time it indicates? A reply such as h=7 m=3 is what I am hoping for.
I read h=3 m=25
